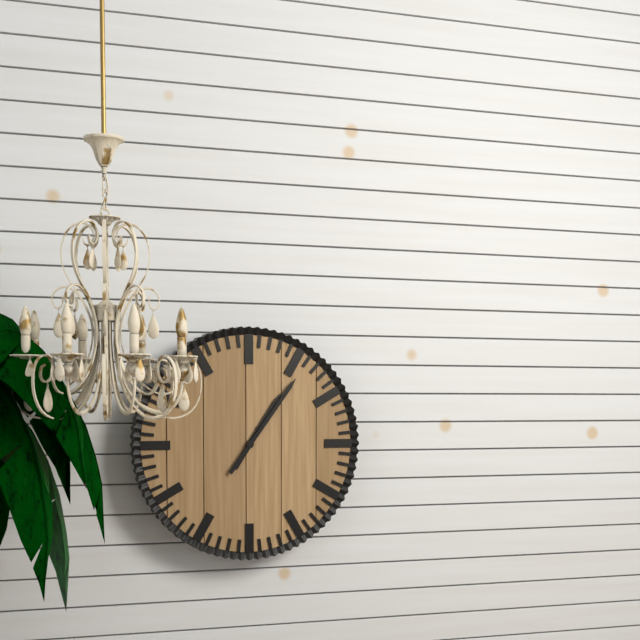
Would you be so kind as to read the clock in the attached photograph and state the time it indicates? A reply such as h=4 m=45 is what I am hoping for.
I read h=1 m=6
